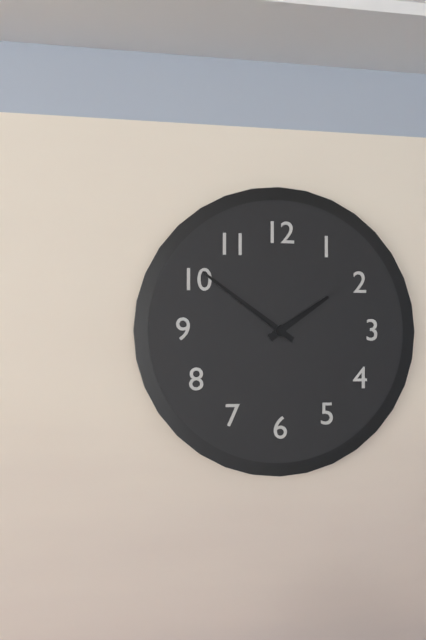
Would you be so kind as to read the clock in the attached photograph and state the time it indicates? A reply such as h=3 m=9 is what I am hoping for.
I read h=1 m=51
